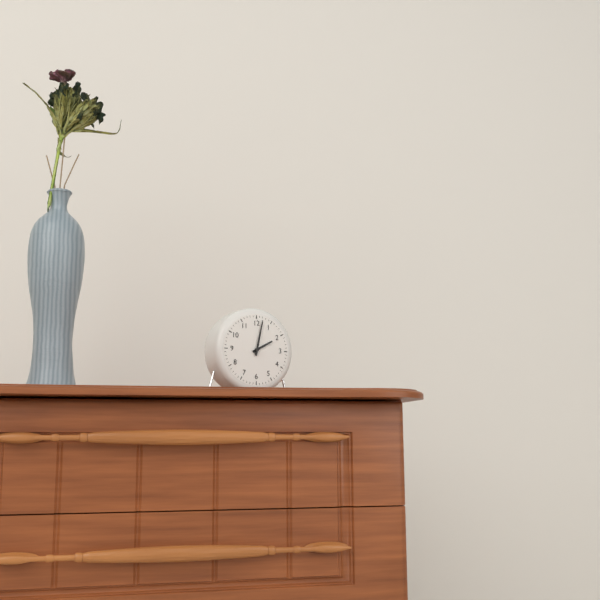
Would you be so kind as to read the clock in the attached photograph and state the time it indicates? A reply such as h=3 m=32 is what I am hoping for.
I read h=2 m=2
